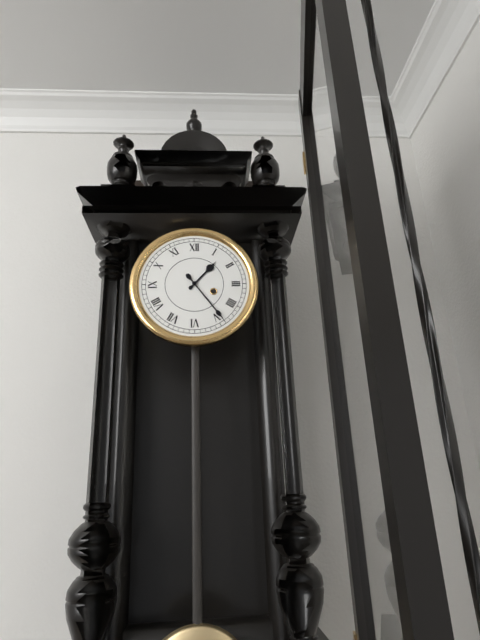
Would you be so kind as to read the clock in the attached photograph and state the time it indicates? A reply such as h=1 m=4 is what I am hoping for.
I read h=1 m=24
